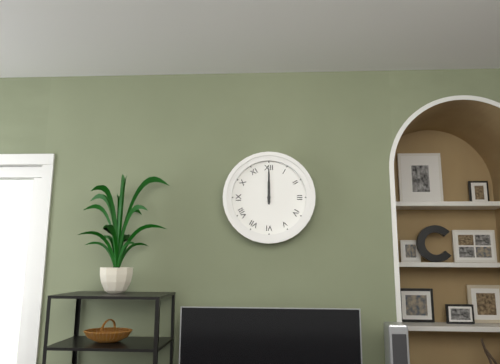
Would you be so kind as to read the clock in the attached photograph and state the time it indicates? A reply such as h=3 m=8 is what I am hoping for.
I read h=12 m=0
